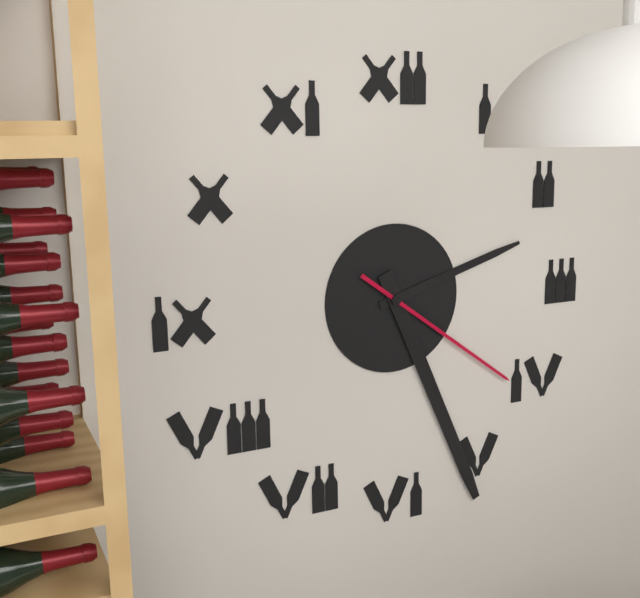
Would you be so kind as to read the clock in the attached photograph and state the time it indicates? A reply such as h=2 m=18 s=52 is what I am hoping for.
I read h=2 m=26 s=21
